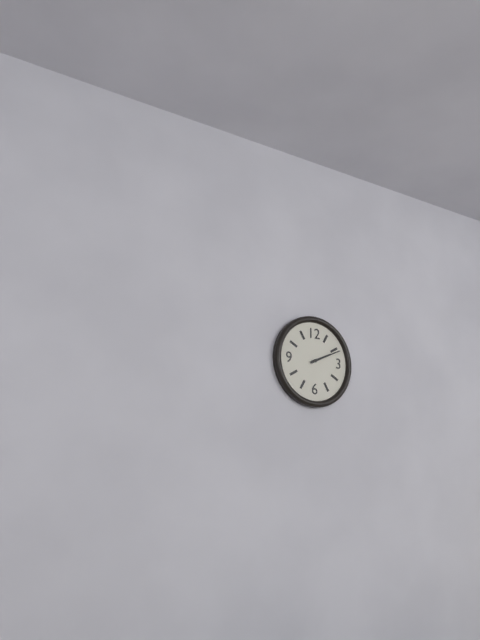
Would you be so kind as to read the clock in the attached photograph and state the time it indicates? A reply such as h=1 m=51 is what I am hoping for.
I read h=2 m=11
